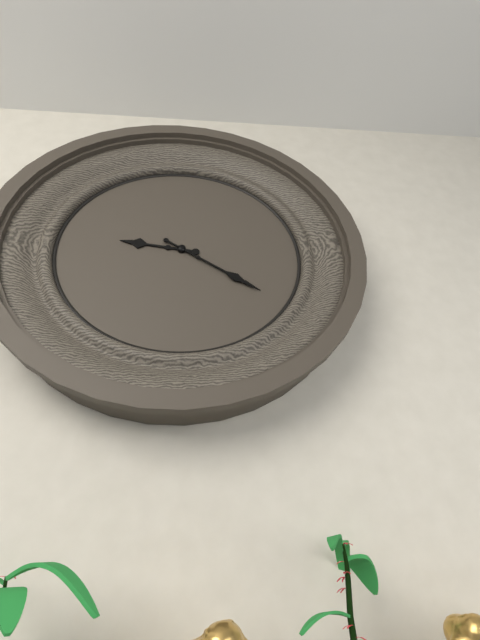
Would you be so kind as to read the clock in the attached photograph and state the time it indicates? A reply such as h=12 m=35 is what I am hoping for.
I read h=9 m=21
